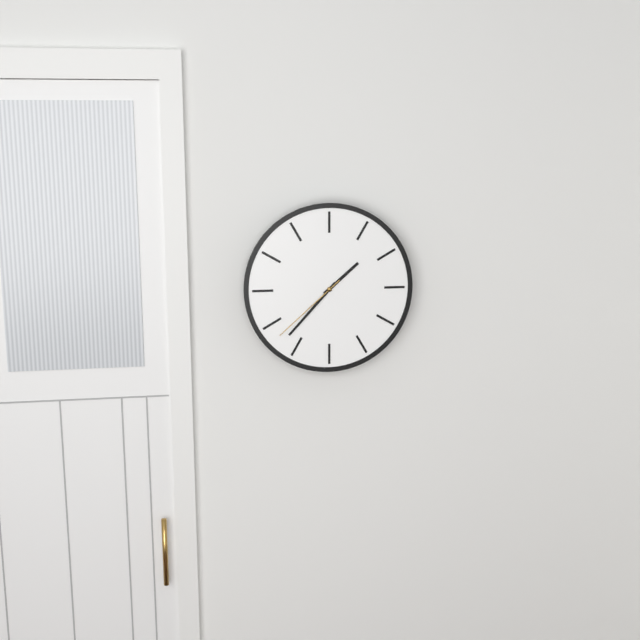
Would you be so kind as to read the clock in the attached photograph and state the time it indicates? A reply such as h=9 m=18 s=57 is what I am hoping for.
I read h=1 m=37 s=38
